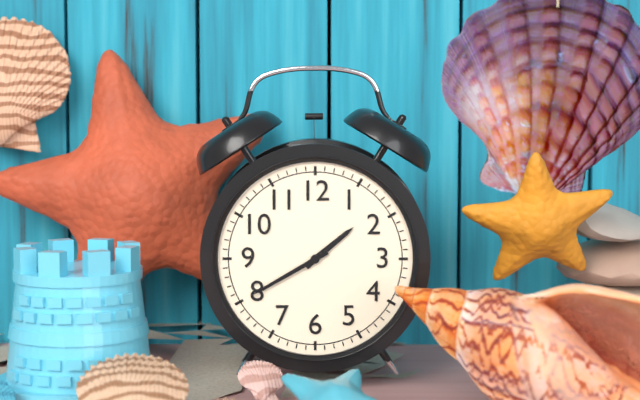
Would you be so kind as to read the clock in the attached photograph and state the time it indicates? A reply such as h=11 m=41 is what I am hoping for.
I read h=1 m=40
